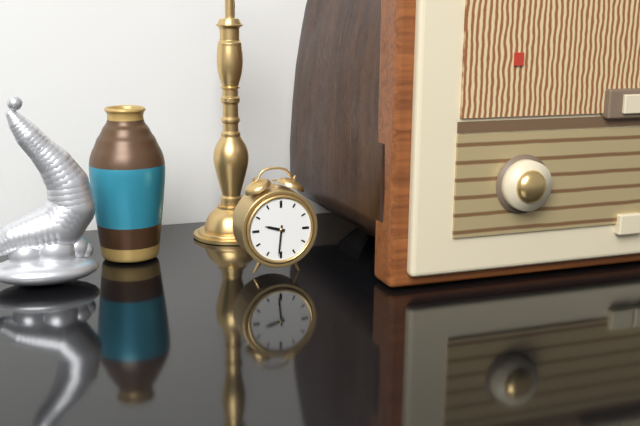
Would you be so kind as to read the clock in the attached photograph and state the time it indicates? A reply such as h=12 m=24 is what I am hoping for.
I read h=9 m=31
